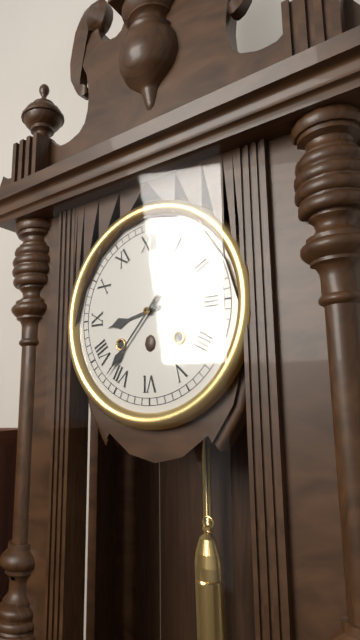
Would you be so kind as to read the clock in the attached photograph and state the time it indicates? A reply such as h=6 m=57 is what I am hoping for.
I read h=8 m=37
